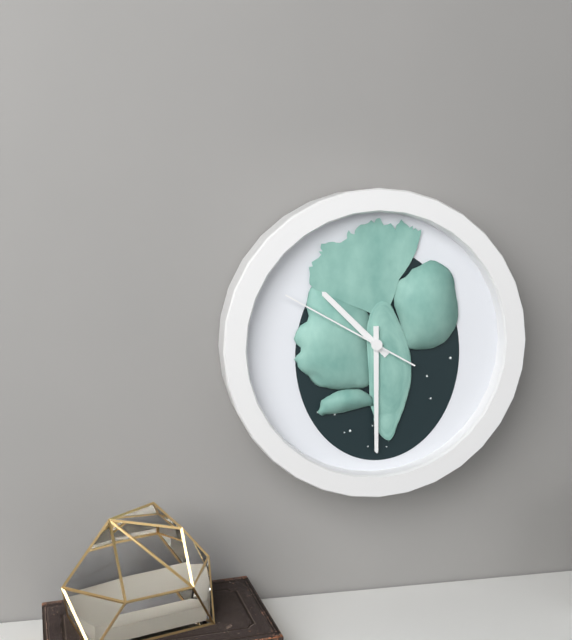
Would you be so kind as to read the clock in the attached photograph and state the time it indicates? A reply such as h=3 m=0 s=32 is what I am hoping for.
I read h=10 m=30 s=50
